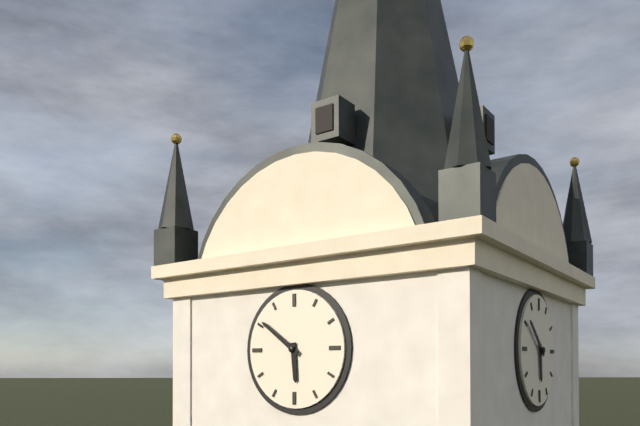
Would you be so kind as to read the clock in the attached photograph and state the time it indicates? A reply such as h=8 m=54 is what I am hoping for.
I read h=5 m=51
